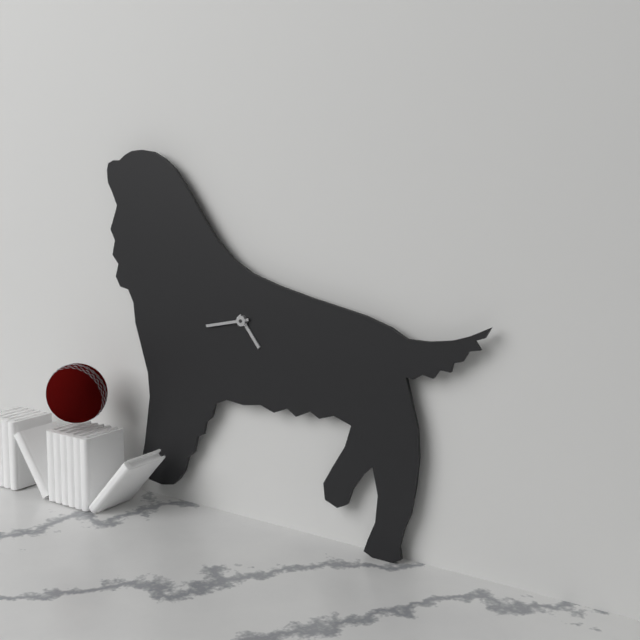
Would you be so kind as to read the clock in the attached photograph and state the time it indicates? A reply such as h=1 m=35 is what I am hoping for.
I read h=4 m=43
